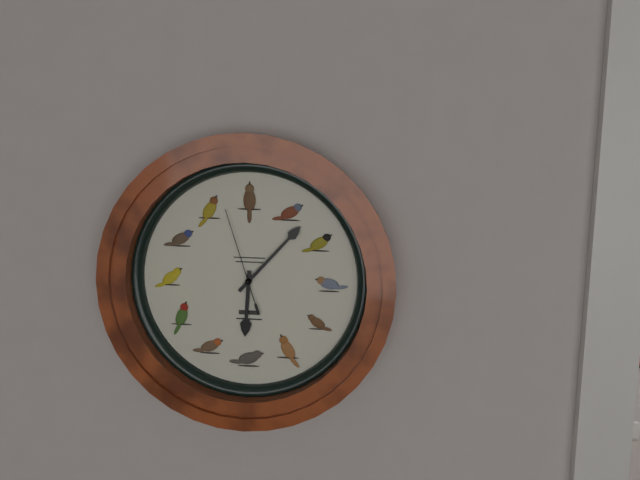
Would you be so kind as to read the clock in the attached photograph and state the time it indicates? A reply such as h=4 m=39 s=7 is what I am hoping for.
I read h=6 m=7 s=57
